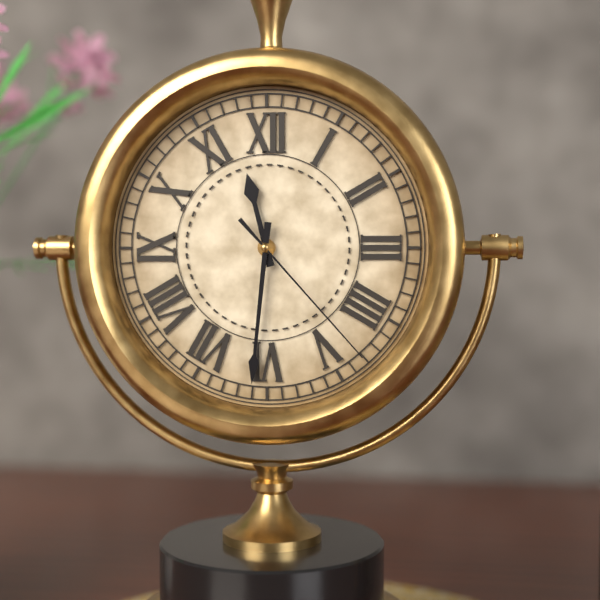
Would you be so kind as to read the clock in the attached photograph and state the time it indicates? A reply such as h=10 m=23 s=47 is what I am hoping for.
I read h=11 m=31 s=23
